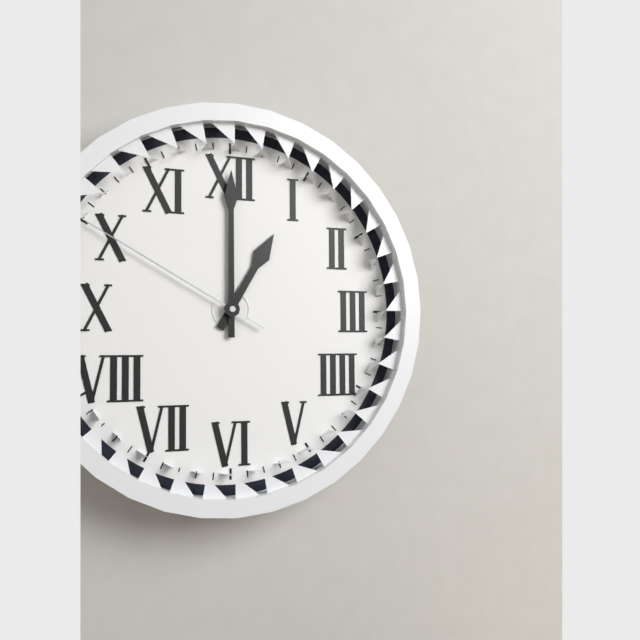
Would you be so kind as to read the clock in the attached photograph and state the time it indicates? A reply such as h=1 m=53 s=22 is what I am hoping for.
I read h=1 m=0 s=50
